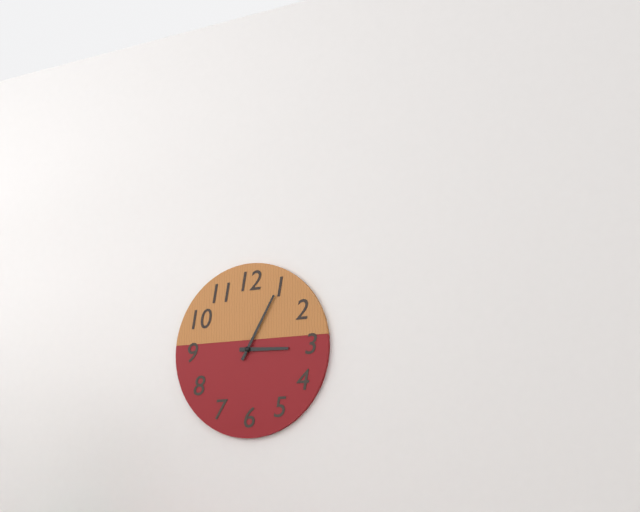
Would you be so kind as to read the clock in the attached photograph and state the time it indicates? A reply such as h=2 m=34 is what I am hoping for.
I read h=3 m=5
